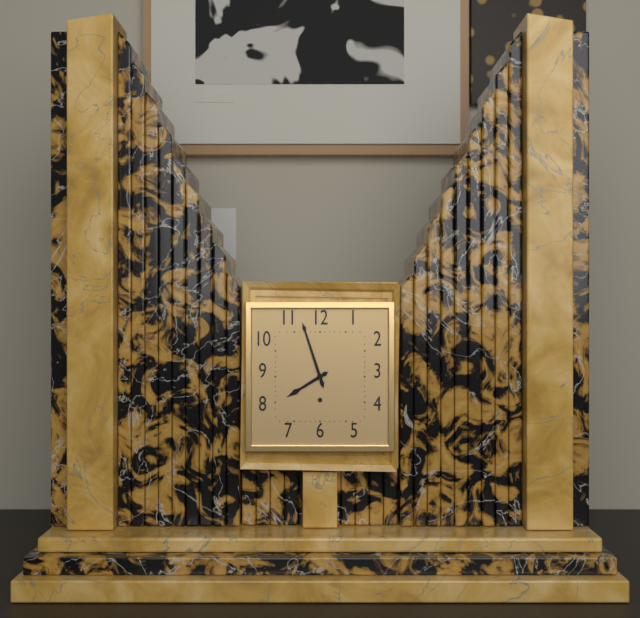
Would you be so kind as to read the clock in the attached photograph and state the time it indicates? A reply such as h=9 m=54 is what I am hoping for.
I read h=7 m=57
